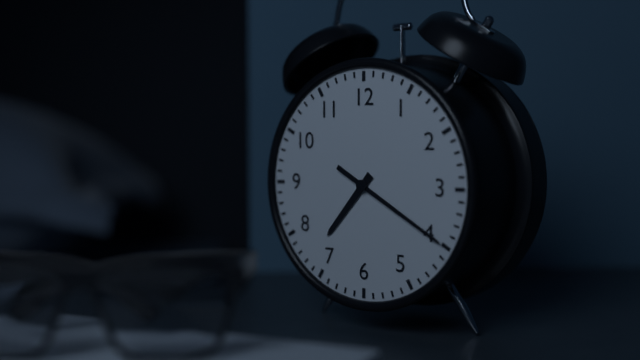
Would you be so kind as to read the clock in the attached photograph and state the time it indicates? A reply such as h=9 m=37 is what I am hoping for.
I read h=7 m=20
